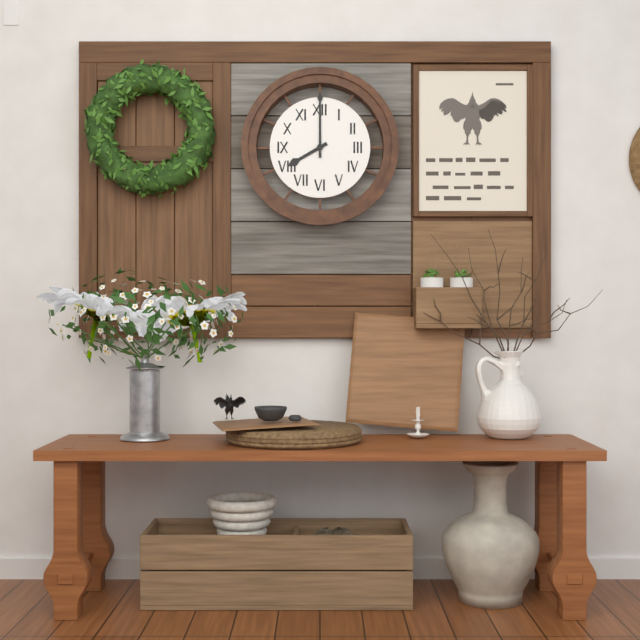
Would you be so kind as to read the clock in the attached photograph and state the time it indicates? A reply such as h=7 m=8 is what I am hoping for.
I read h=8 m=0
